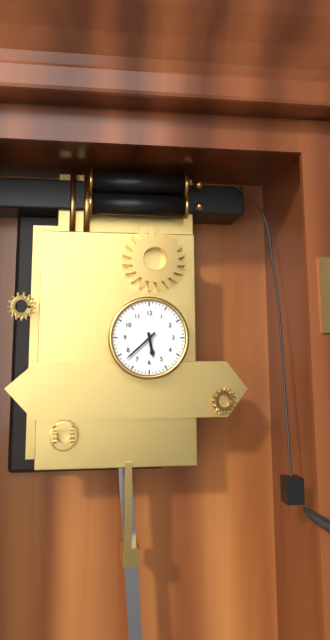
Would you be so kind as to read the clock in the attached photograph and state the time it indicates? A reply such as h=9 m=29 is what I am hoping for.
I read h=5 m=38
